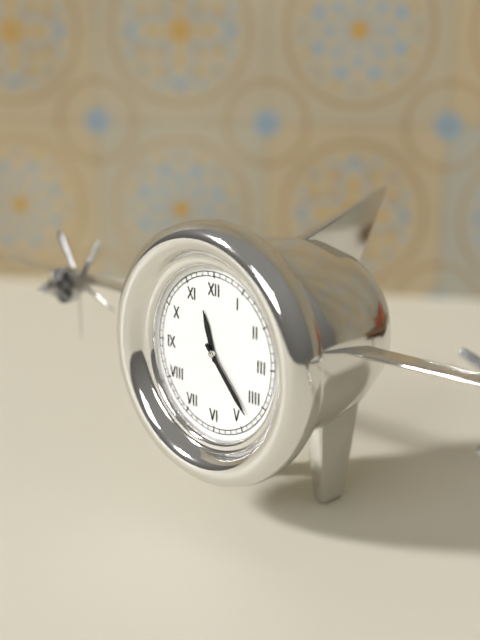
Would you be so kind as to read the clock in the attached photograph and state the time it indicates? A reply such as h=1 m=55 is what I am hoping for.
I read h=11 m=23
